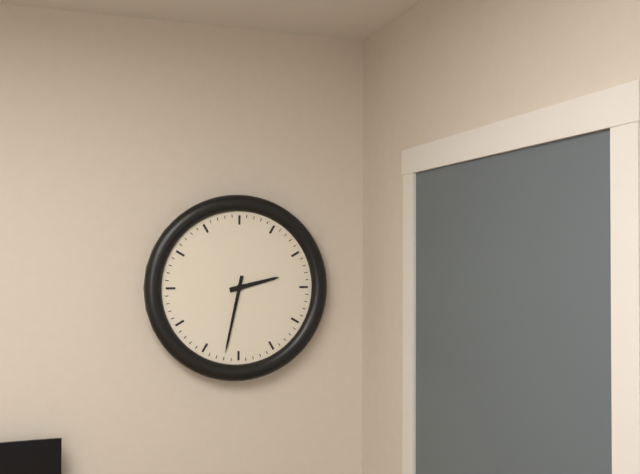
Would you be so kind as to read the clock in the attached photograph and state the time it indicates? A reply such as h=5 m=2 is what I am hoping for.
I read h=2 m=32
